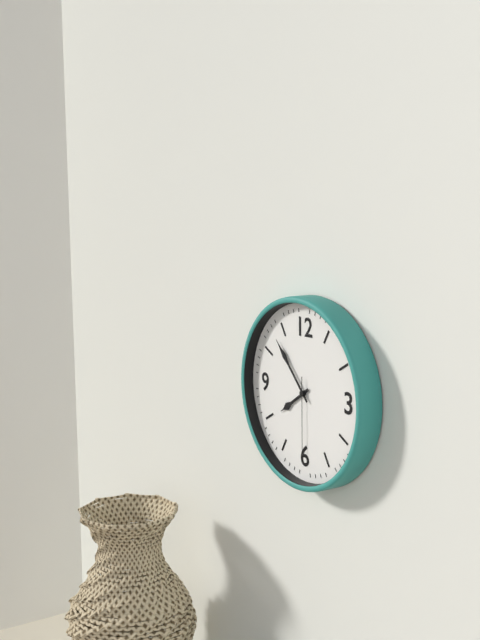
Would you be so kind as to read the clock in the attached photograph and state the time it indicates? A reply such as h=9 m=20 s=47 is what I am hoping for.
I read h=7 m=53 s=30
